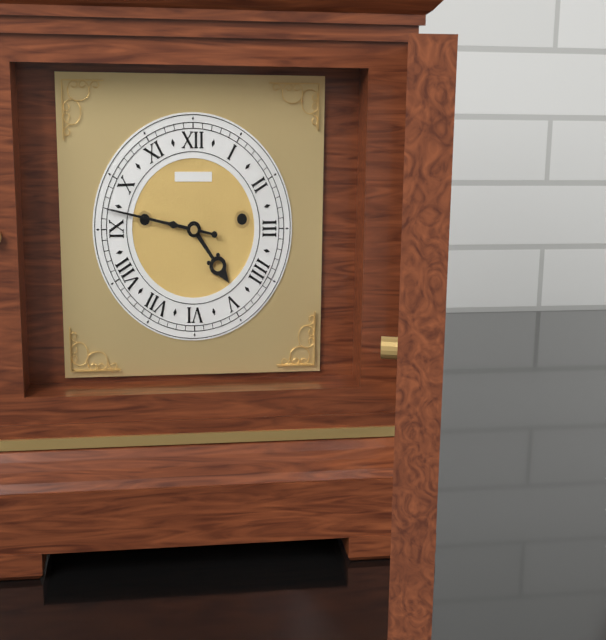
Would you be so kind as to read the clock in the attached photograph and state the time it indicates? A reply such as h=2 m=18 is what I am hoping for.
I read h=4 m=47
